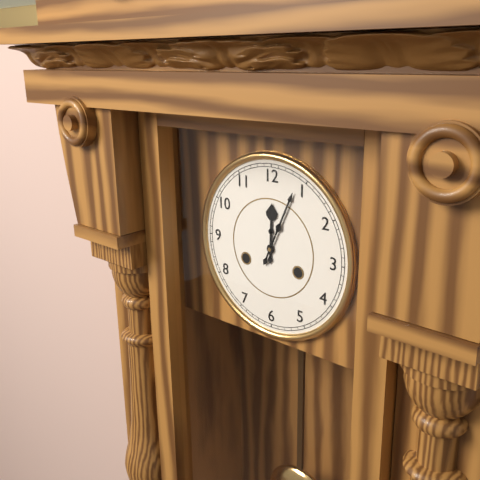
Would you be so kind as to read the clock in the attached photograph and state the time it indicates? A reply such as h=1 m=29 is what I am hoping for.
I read h=12 m=4
